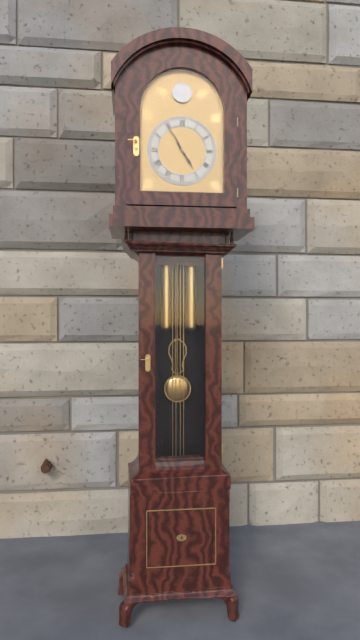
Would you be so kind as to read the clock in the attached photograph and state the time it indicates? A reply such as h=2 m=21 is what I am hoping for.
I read h=4 m=55
